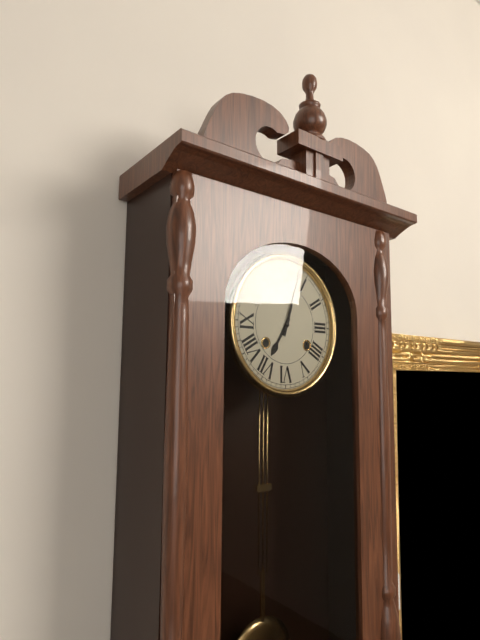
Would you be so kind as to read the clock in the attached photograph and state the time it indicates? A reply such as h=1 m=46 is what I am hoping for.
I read h=7 m=3
